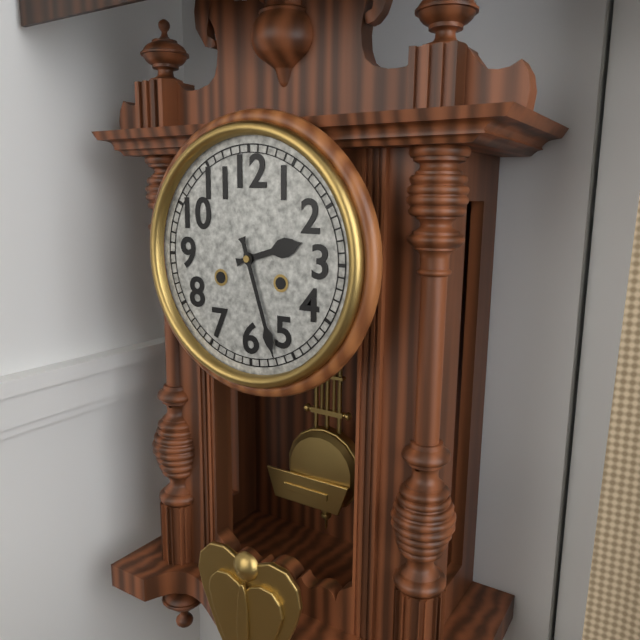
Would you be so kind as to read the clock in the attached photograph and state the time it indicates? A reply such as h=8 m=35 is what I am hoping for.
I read h=2 m=27
